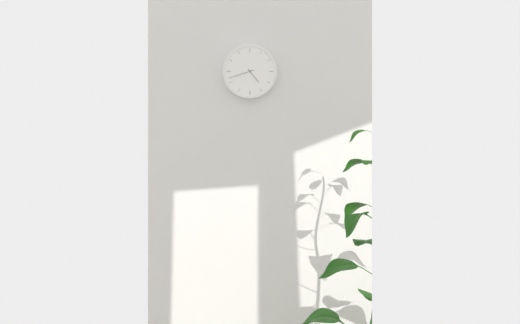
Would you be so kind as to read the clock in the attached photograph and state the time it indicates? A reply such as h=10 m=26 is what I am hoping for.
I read h=4 m=42
